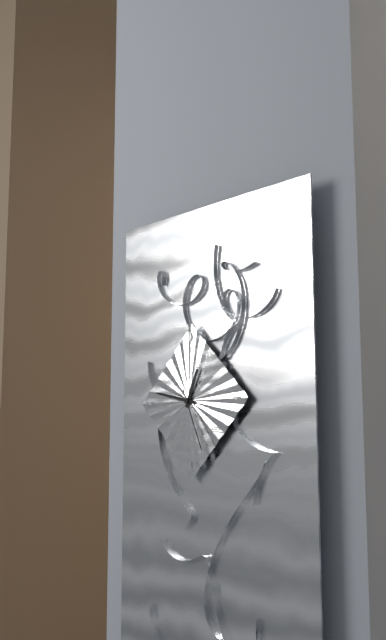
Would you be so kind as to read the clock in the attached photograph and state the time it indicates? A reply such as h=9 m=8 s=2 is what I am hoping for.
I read h=12 m=47 s=26
